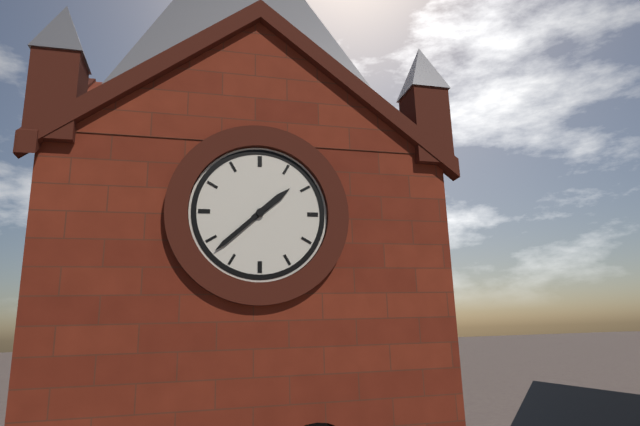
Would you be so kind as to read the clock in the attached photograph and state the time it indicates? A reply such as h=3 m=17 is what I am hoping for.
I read h=1 m=38
